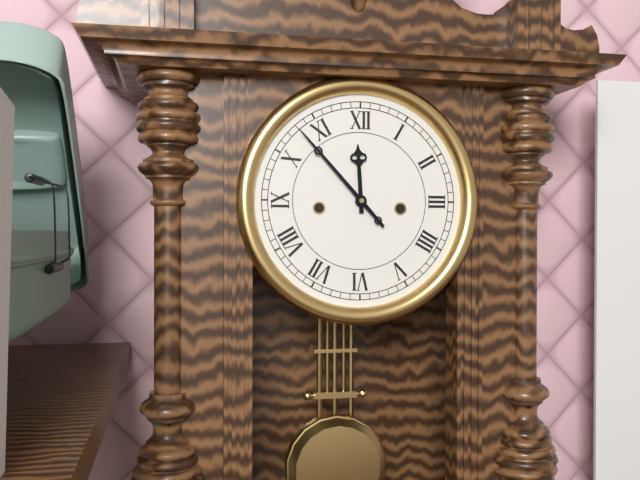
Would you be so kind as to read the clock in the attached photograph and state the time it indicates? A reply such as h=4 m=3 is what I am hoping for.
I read h=11 m=53
